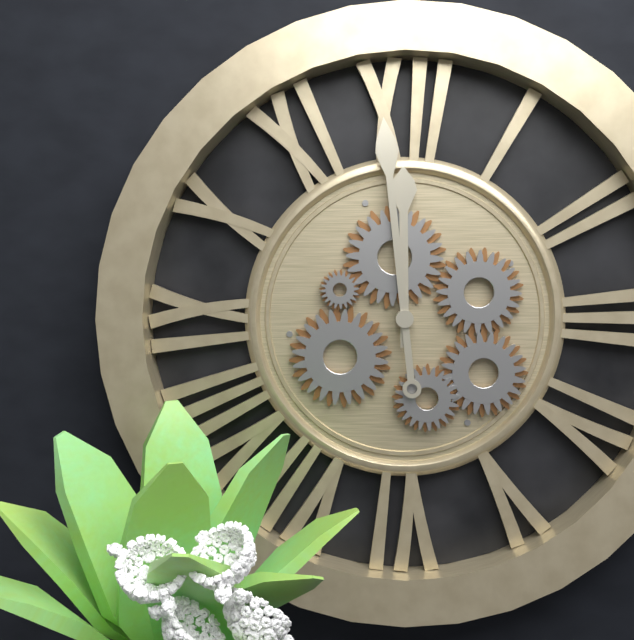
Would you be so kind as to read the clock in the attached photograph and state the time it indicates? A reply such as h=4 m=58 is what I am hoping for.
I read h=11 m=59
